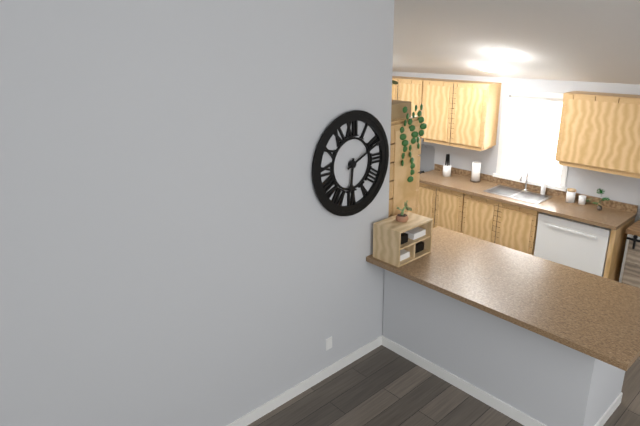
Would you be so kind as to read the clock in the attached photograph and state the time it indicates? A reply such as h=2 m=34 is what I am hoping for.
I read h=6 m=11
